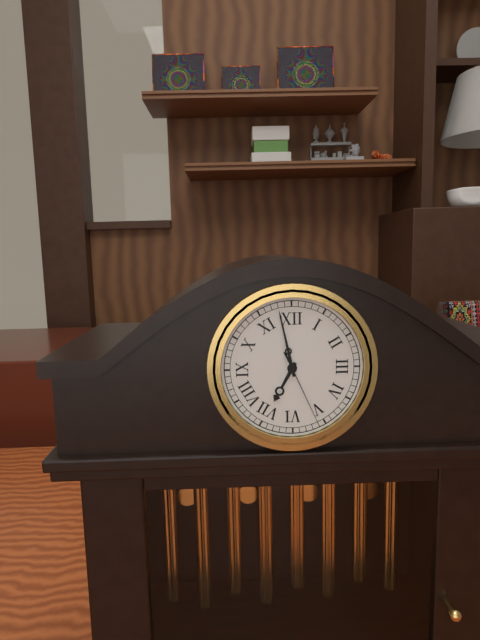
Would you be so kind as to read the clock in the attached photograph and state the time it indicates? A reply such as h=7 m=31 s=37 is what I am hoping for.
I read h=6 m=58 s=26
